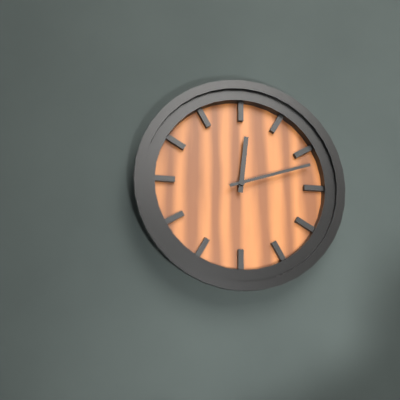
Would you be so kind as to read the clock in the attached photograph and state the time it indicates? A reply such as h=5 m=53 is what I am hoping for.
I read h=12 m=12
